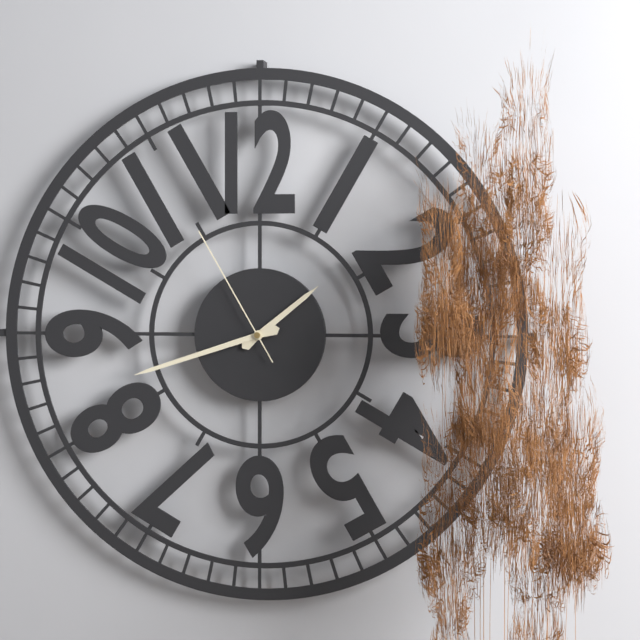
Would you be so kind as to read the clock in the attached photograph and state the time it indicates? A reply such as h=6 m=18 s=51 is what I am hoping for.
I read h=1 m=42 s=55
